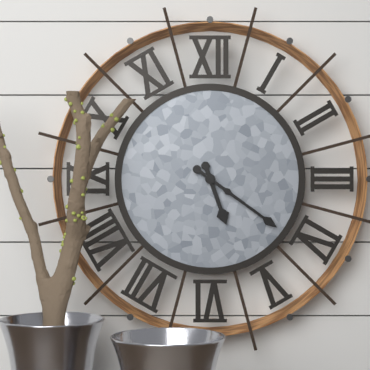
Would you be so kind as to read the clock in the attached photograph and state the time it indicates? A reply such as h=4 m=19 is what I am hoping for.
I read h=5 m=21
